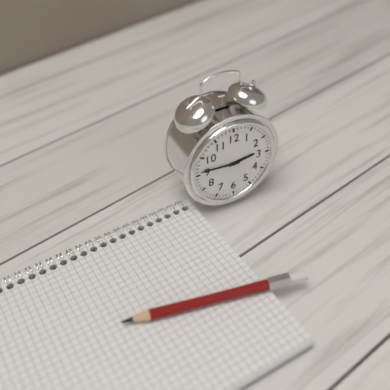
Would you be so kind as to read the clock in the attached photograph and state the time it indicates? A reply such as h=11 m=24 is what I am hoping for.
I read h=2 m=46
